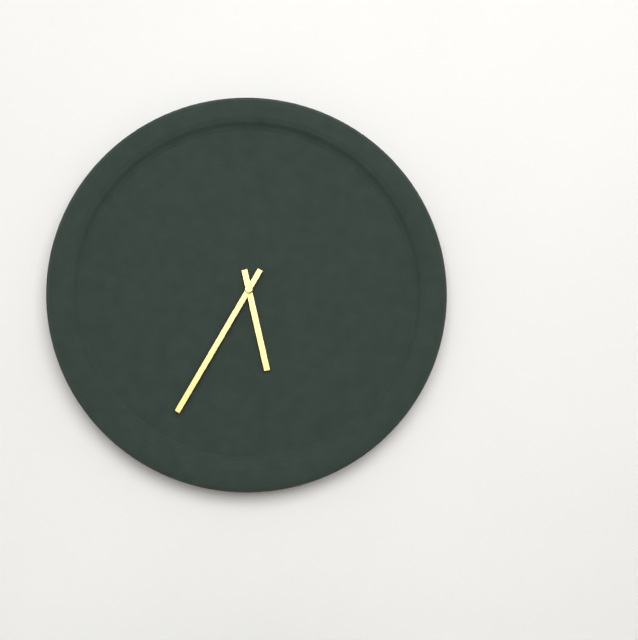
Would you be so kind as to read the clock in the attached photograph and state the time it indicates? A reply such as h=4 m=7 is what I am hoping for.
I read h=5 m=35
